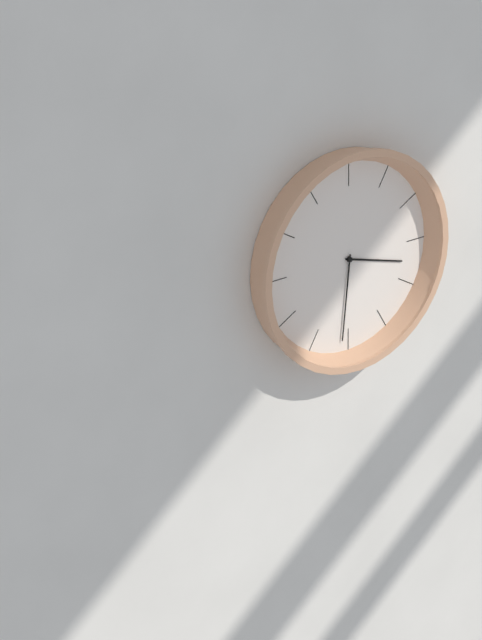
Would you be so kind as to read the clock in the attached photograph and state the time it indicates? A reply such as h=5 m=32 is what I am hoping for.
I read h=3 m=31
